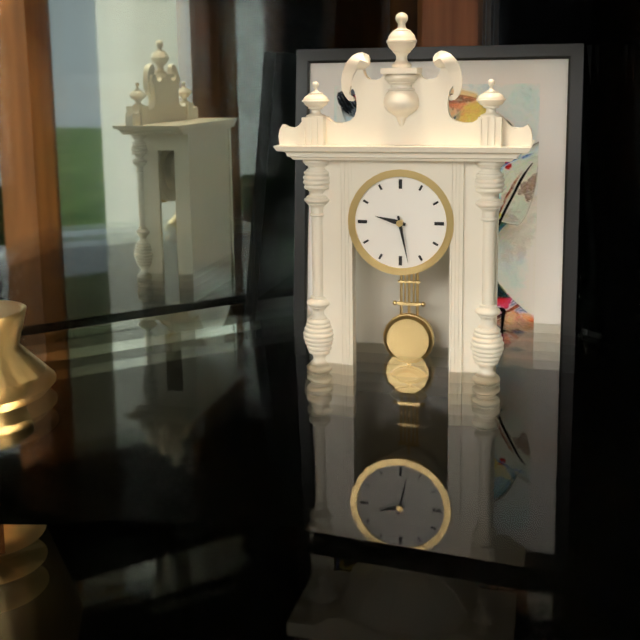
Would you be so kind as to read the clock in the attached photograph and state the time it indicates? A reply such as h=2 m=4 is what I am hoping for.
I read h=9 m=28
